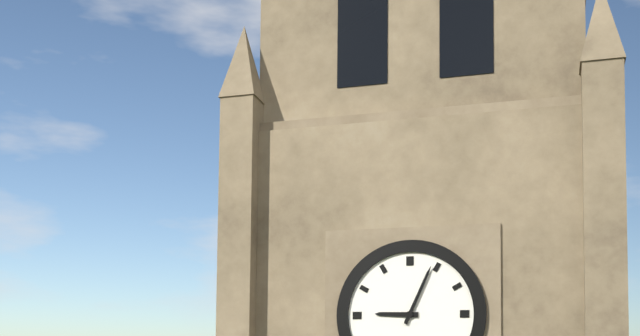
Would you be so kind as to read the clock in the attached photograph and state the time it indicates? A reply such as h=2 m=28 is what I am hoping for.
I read h=9 m=4
